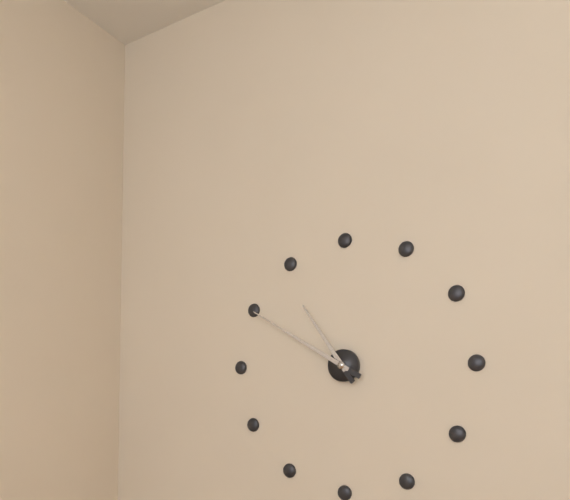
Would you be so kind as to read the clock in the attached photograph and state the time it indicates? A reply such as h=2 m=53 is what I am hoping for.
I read h=10 m=50
